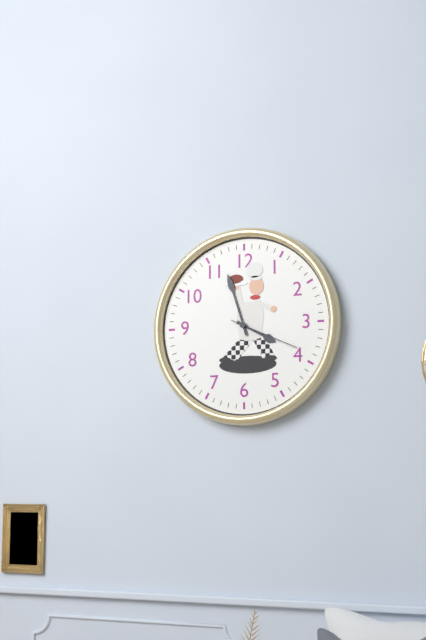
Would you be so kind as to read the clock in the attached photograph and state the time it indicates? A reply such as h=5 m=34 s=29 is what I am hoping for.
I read h=3 m=57 s=19
